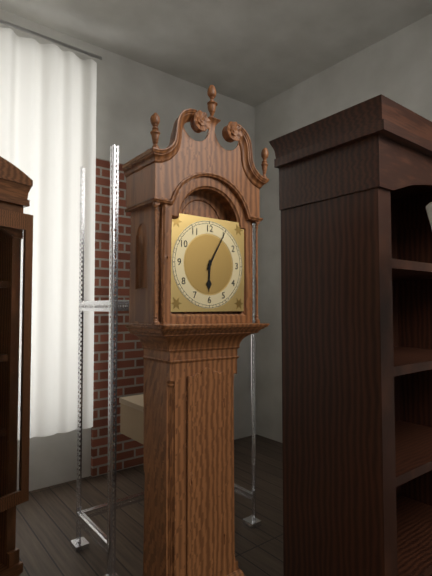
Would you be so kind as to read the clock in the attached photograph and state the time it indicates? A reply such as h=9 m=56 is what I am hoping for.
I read h=6 m=5
